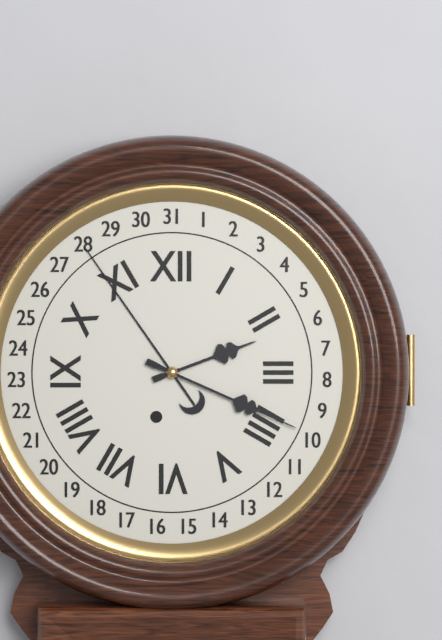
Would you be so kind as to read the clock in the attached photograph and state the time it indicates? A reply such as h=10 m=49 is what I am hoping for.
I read h=2 m=19
